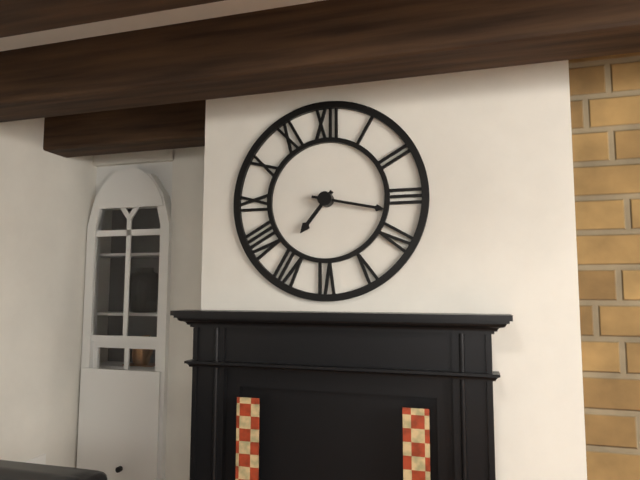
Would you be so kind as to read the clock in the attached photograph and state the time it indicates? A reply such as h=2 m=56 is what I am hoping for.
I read h=7 m=17
